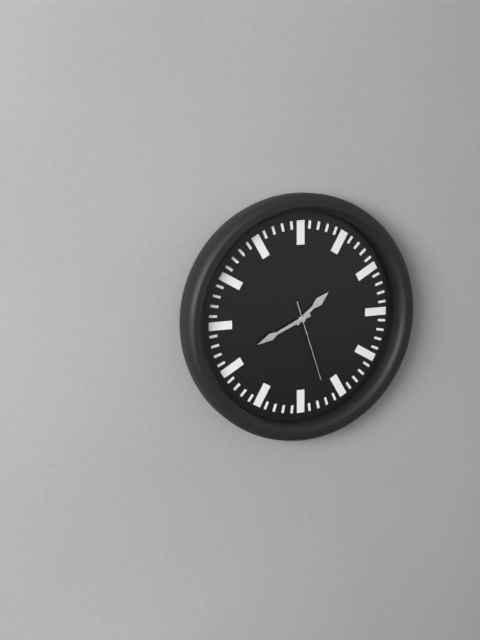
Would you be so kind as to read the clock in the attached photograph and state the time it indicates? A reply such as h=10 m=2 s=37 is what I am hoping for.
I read h=1 m=41 s=27
